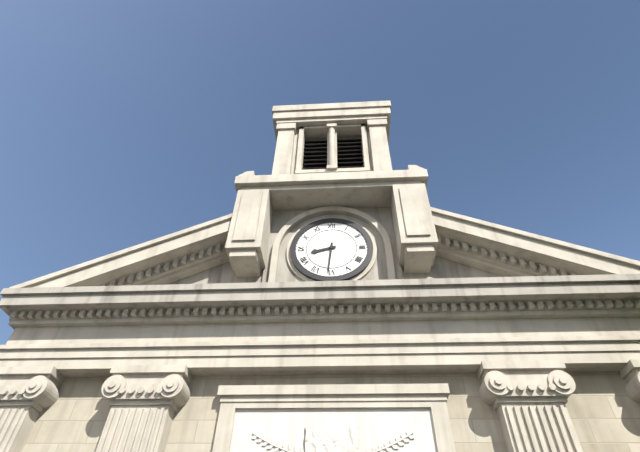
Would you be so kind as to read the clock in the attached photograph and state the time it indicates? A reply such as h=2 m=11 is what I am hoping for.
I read h=8 m=31
